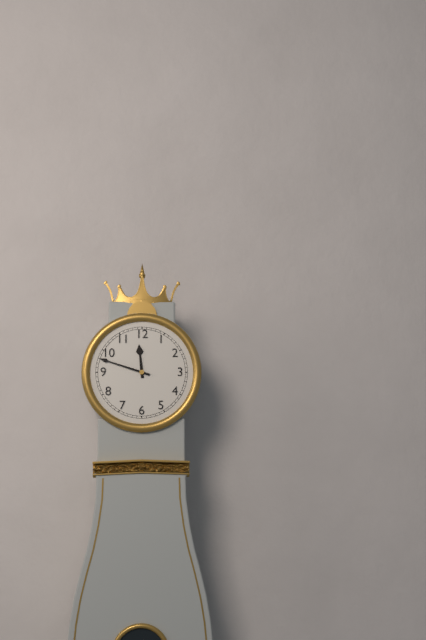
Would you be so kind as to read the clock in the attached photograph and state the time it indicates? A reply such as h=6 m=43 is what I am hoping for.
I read h=11 m=48
